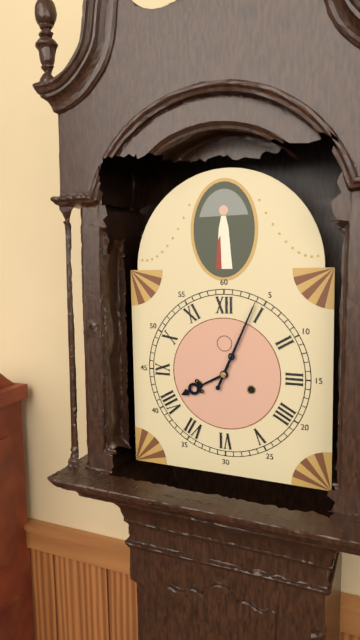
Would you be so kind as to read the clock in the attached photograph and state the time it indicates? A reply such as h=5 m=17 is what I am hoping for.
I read h=8 m=4
